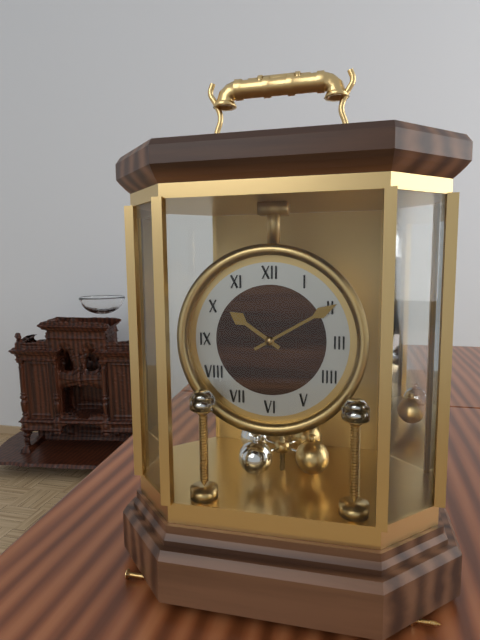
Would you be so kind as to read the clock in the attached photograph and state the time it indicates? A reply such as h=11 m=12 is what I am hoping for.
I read h=10 m=10
